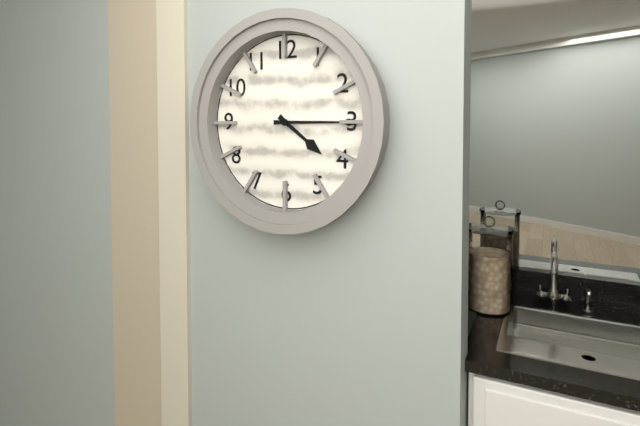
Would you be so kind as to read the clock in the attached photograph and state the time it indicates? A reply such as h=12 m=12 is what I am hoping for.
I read h=4 m=15
